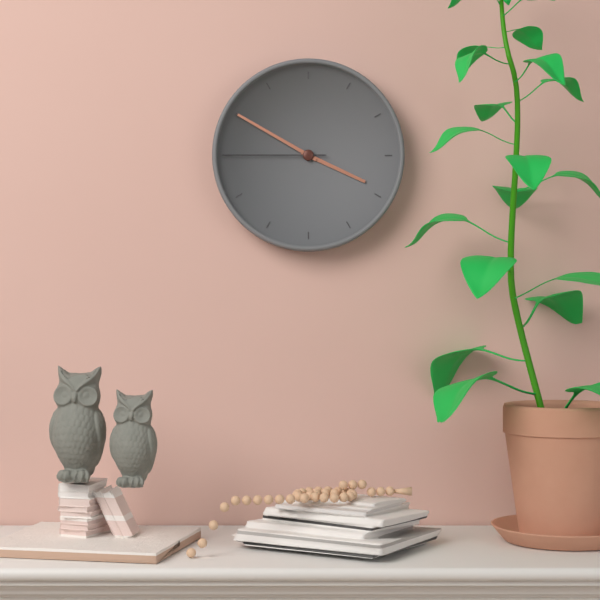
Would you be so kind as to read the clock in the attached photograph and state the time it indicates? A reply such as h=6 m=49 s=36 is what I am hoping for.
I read h=3 m=50 s=45
